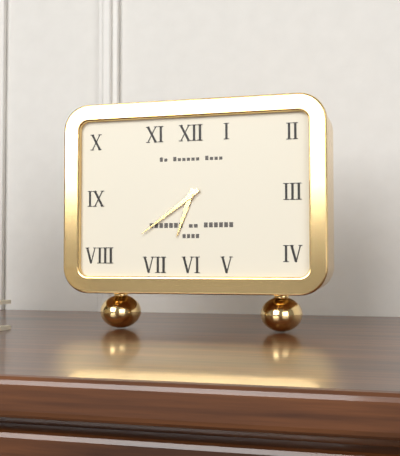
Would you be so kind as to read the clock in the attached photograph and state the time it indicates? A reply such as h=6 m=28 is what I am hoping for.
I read h=6 m=39
